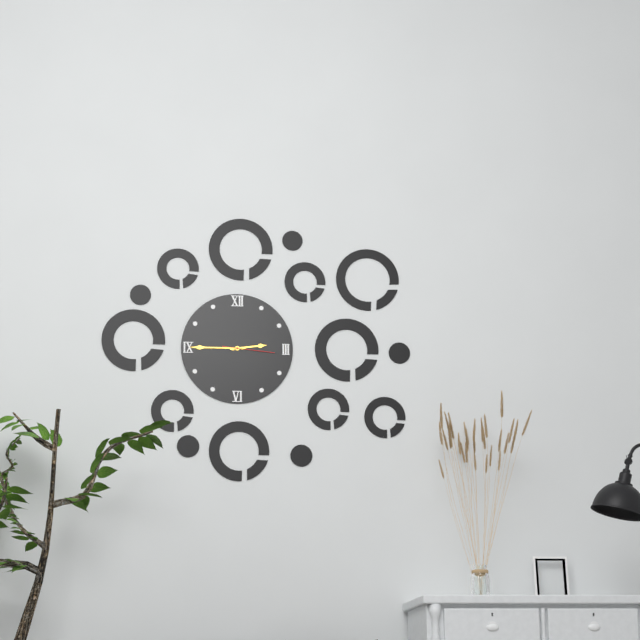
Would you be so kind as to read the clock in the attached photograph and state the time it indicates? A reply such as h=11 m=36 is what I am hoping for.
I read h=2 m=45
